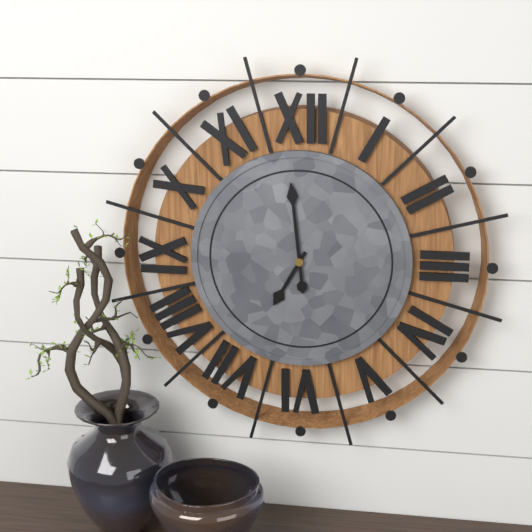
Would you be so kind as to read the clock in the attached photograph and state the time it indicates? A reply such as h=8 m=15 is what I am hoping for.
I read h=6 m=59
